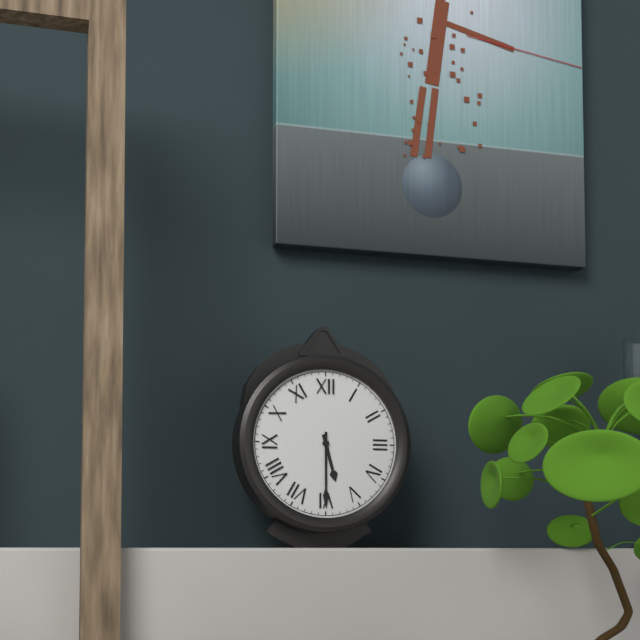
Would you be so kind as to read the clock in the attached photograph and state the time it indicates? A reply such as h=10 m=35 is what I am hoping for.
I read h=5 m=30
